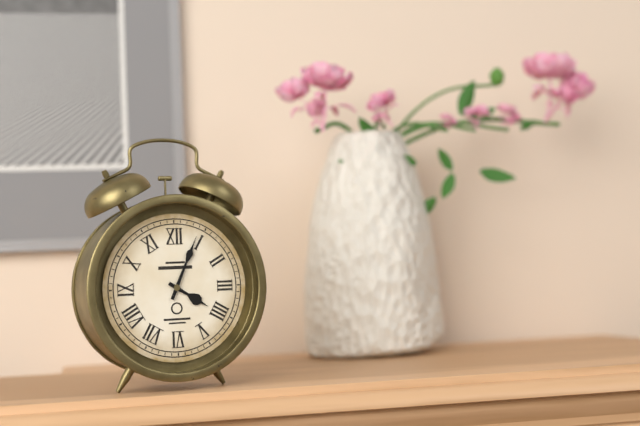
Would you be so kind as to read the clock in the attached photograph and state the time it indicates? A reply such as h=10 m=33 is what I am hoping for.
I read h=4 m=4
